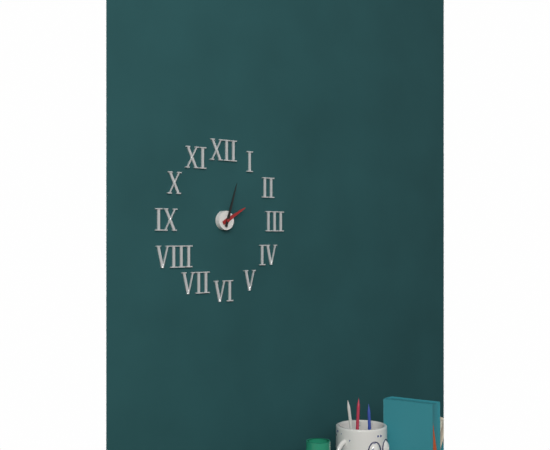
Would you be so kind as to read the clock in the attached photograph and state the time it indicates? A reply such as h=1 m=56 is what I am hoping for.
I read h=2 m=3
